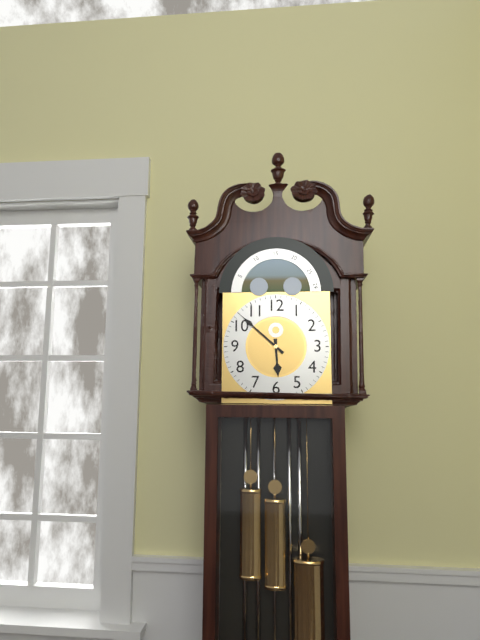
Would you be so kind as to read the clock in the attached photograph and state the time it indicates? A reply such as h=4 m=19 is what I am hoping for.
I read h=5 m=52
